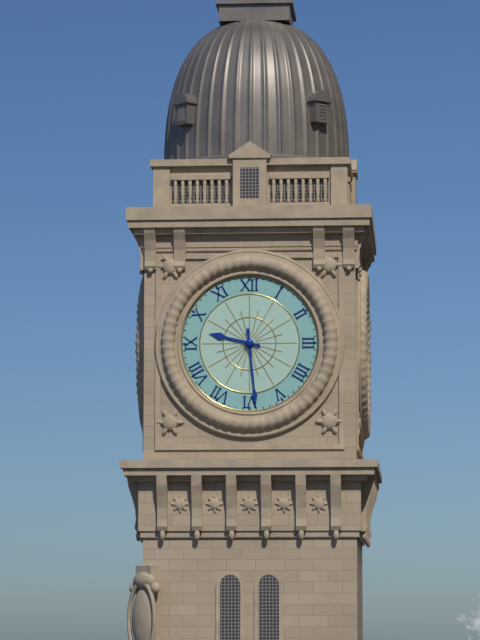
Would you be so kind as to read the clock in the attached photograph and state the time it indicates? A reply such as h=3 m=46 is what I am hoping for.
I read h=9 m=29
